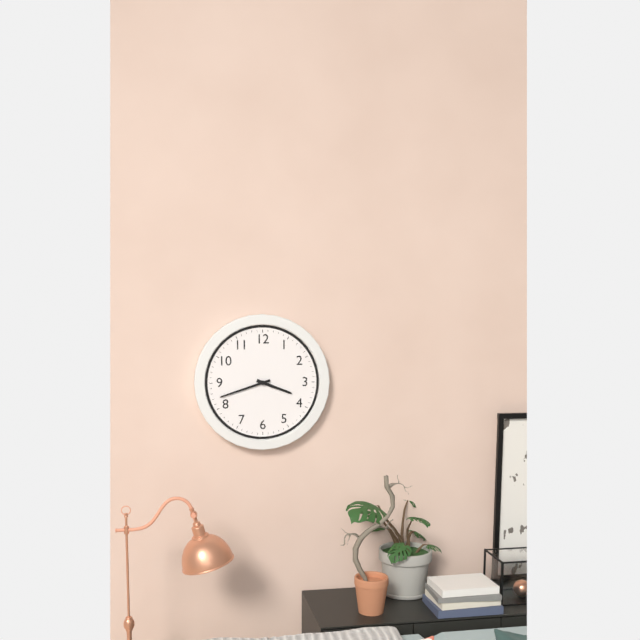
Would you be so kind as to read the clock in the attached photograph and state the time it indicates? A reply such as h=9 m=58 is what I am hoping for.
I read h=3 m=42
